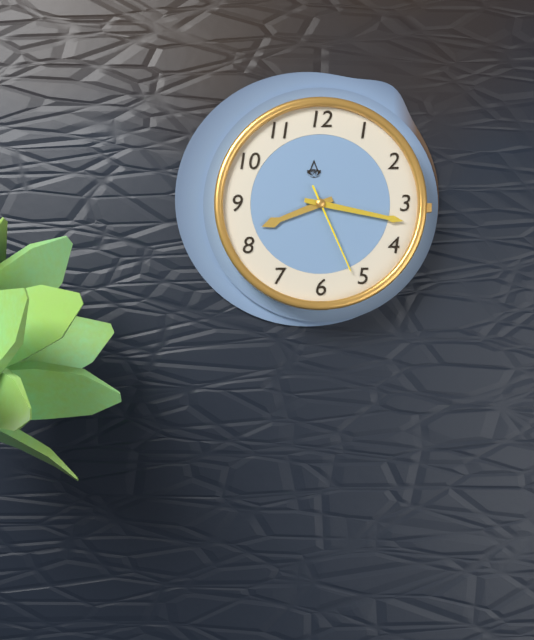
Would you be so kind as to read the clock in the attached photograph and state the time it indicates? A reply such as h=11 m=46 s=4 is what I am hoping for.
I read h=8 m=17 s=26
